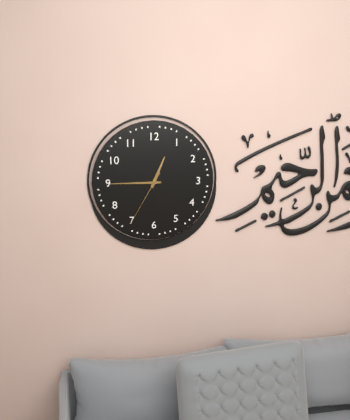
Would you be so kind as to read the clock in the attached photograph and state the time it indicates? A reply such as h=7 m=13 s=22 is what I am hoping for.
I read h=12 m=45 s=35
